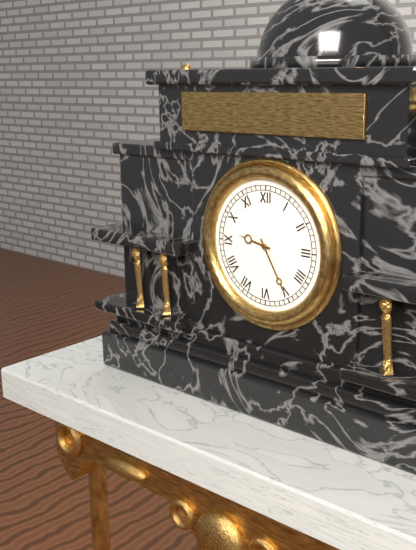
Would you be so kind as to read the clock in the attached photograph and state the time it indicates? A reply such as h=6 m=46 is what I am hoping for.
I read h=9 m=25
